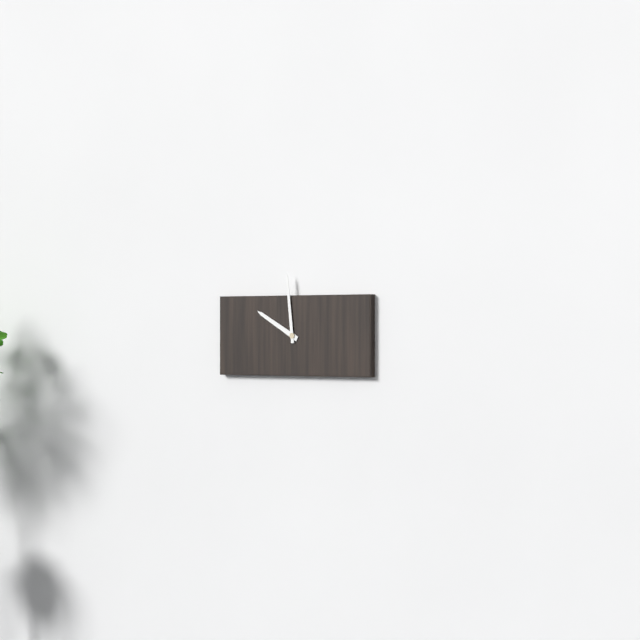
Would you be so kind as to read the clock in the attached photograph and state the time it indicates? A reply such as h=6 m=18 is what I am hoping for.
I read h=9 m=59
